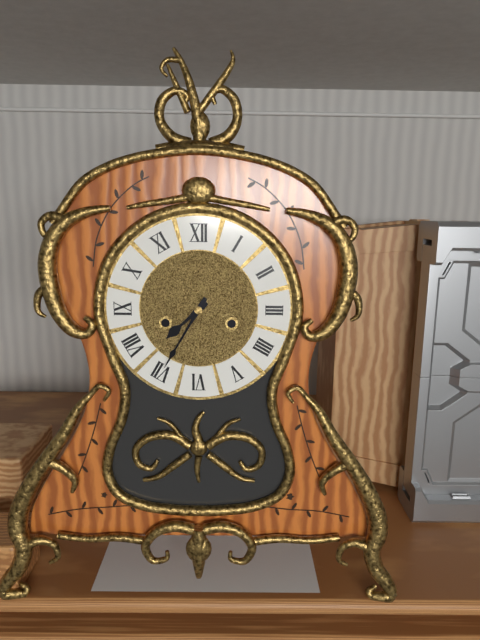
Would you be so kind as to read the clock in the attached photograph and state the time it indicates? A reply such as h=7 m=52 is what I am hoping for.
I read h=7 m=35
